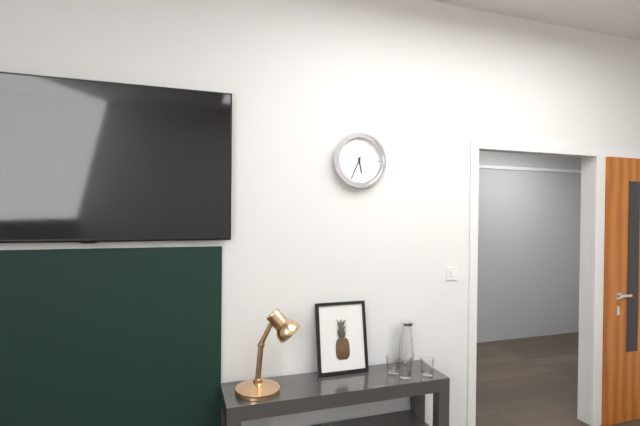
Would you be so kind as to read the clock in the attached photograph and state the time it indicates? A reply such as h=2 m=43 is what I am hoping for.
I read h=5 m=34
